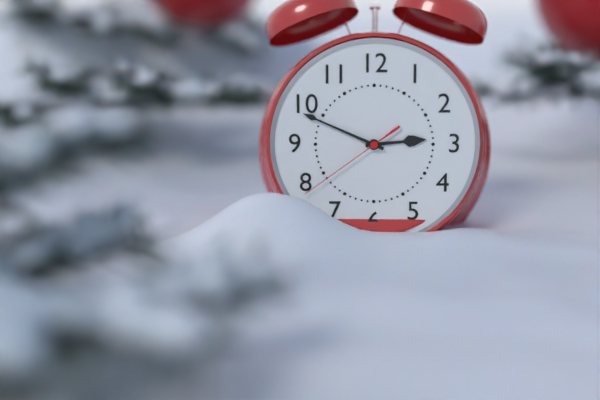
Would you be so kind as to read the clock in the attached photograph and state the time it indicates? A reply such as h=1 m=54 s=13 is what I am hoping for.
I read h=2 m=49 s=39
